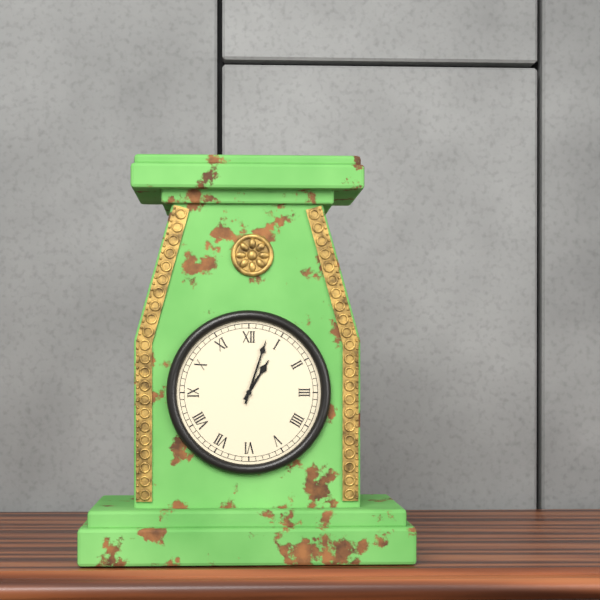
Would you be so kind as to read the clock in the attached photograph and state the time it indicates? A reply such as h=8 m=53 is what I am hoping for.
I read h=1 m=3
